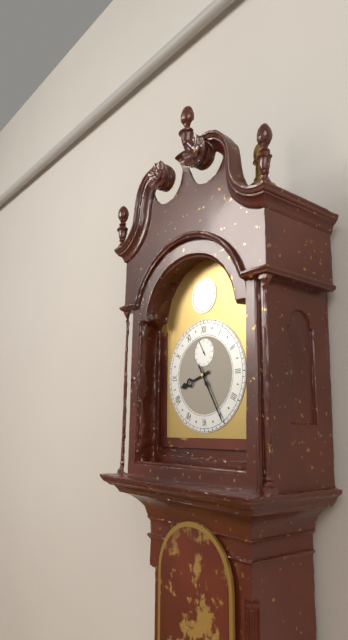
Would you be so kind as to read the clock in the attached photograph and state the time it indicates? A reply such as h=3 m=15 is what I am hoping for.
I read h=8 m=25
